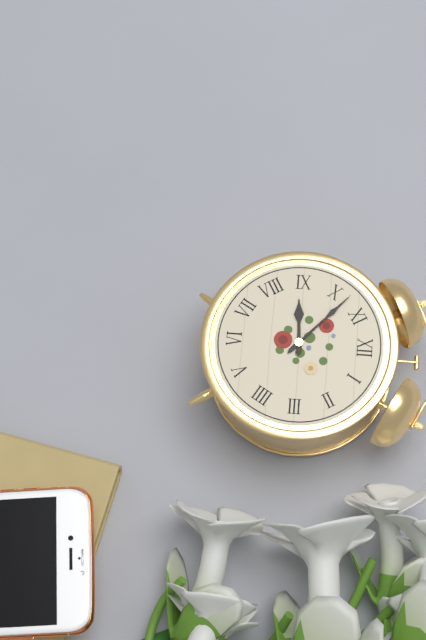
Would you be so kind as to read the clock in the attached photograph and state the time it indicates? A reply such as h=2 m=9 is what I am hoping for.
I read h=8 m=52
